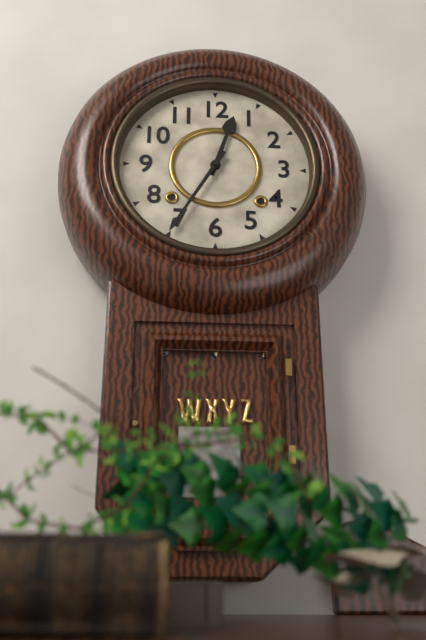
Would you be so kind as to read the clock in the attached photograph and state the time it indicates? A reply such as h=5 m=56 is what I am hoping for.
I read h=12 m=35
